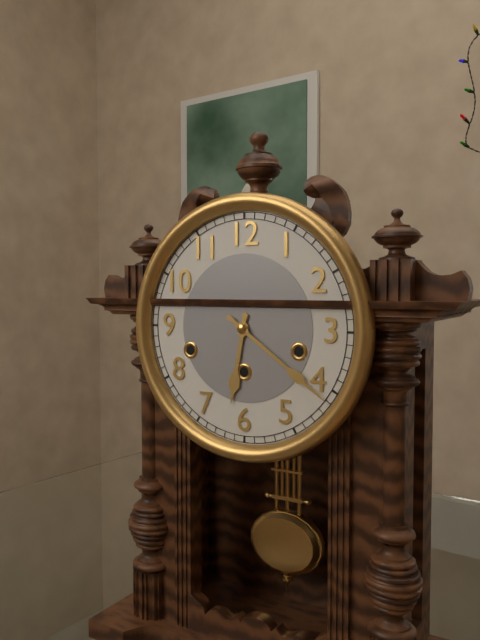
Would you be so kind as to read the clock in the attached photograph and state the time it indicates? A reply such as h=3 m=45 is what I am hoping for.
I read h=6 m=21
